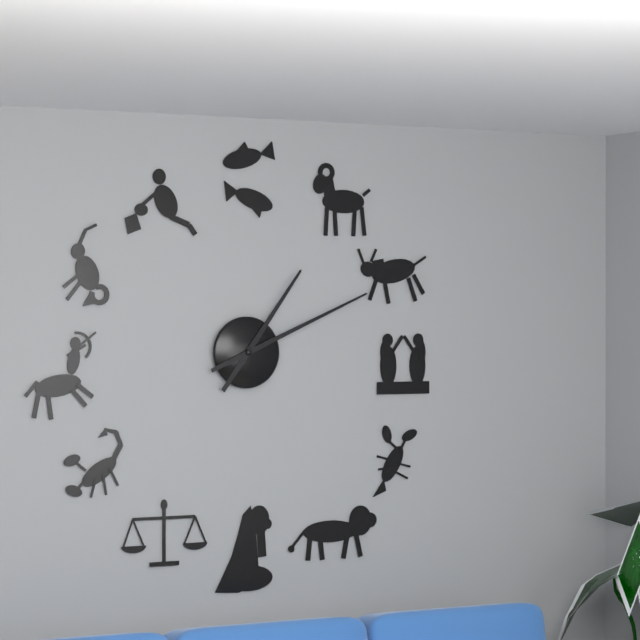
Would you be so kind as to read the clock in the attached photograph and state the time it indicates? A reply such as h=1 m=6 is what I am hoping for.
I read h=1 m=11
